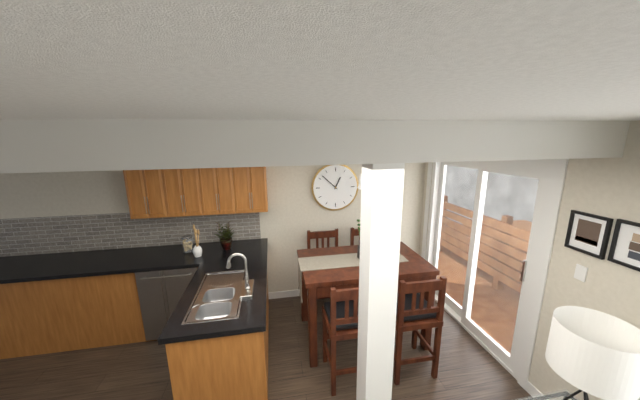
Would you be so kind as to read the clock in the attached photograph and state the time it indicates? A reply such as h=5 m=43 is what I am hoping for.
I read h=12 m=52
